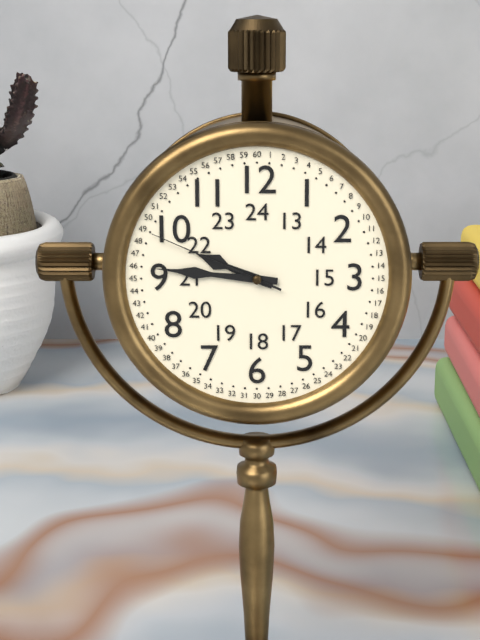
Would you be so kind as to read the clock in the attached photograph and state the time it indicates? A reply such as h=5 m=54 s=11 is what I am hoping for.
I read h=9 m=46 s=49
